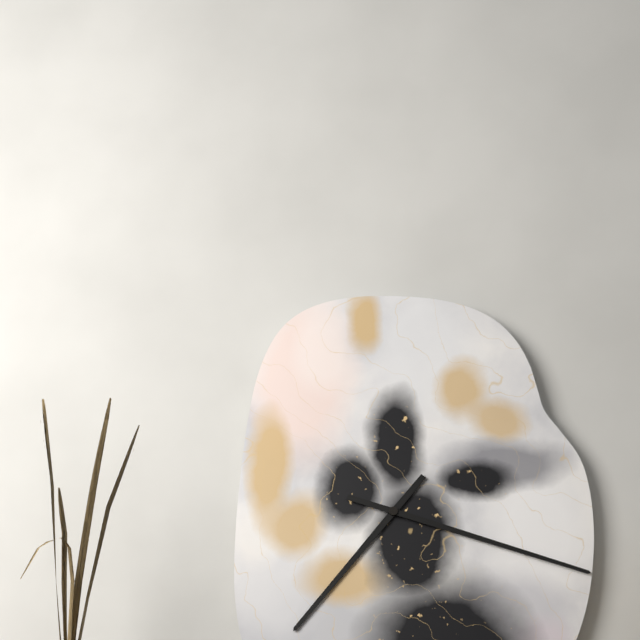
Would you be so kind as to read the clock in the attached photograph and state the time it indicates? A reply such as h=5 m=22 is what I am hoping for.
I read h=7 m=18
